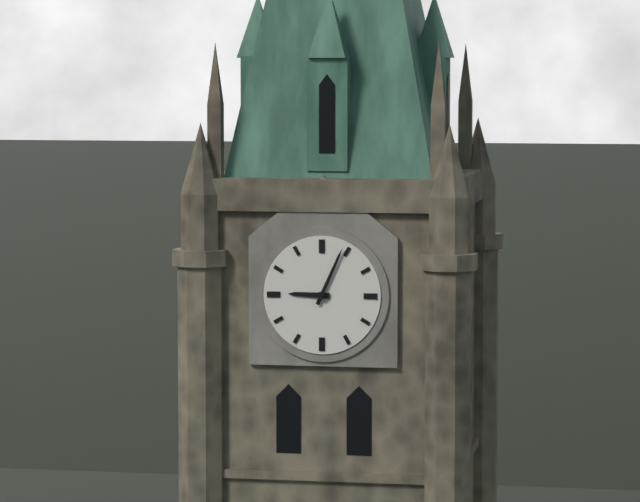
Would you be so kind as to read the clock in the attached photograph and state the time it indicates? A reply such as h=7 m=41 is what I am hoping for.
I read h=9 m=4
